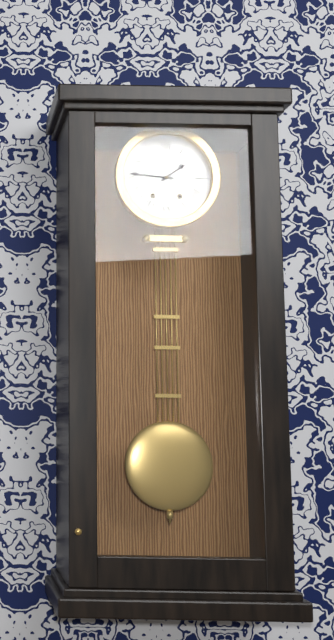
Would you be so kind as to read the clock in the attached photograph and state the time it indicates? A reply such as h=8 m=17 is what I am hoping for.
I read h=1 m=46
